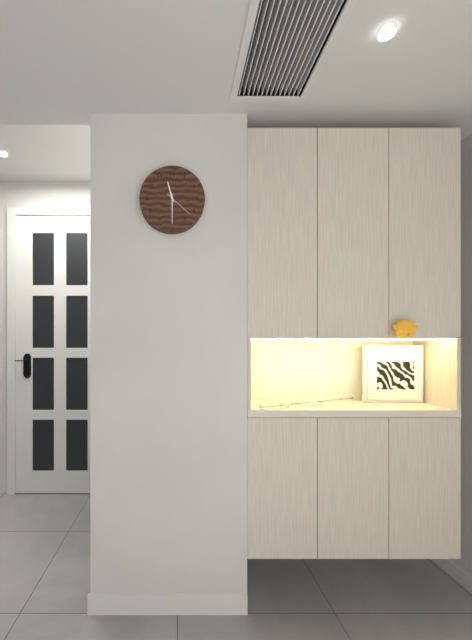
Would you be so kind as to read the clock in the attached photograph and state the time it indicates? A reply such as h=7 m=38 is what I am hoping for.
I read h=11 m=30
